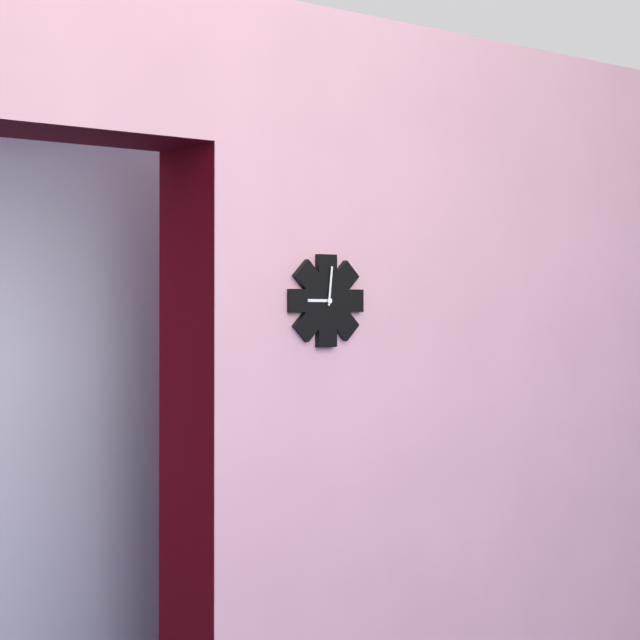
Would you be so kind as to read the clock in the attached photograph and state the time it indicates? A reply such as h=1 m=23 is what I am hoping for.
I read h=9 m=1
